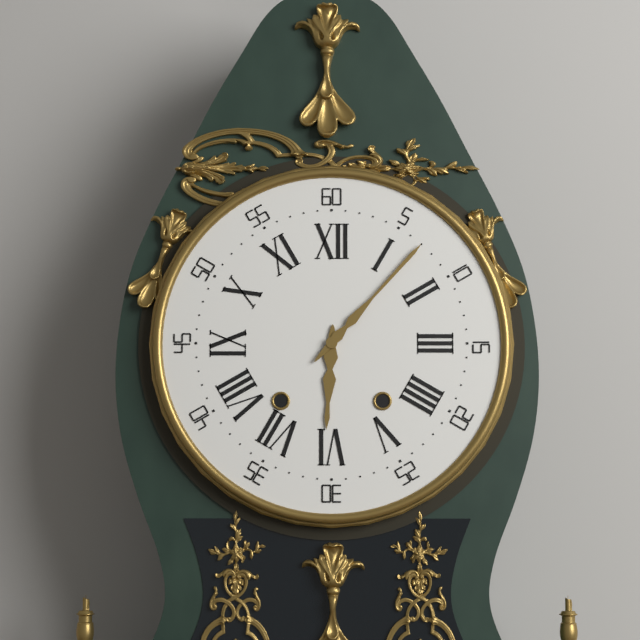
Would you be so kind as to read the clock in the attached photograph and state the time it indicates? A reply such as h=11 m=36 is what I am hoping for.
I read h=6 m=7
